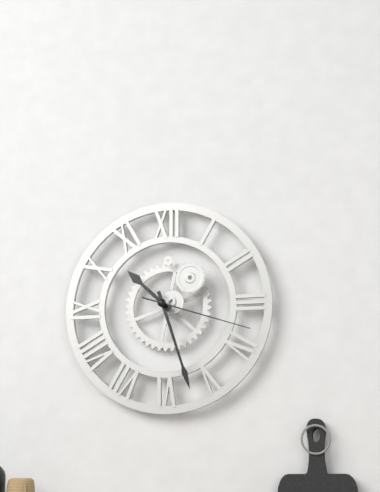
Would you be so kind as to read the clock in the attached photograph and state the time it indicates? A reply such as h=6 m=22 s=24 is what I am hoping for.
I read h=10 m=27 s=18
